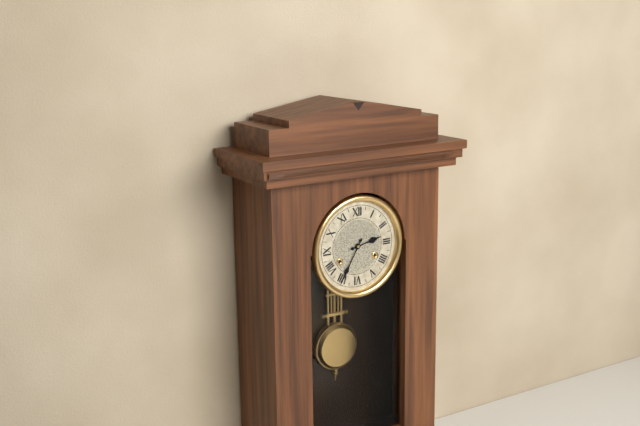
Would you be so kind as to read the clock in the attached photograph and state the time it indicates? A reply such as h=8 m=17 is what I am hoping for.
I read h=2 m=35
